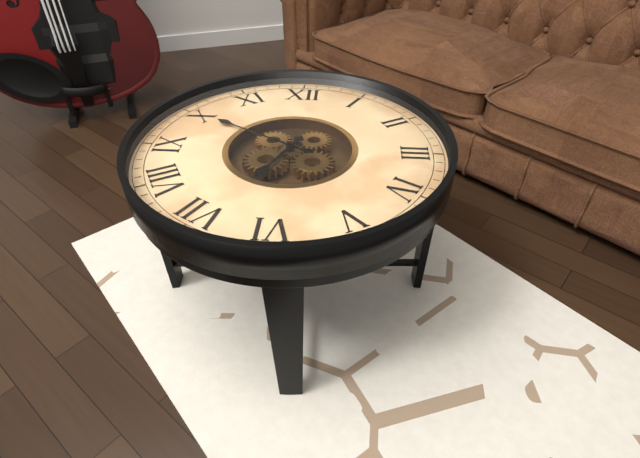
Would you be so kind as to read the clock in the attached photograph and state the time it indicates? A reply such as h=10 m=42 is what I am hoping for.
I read h=6 m=50
